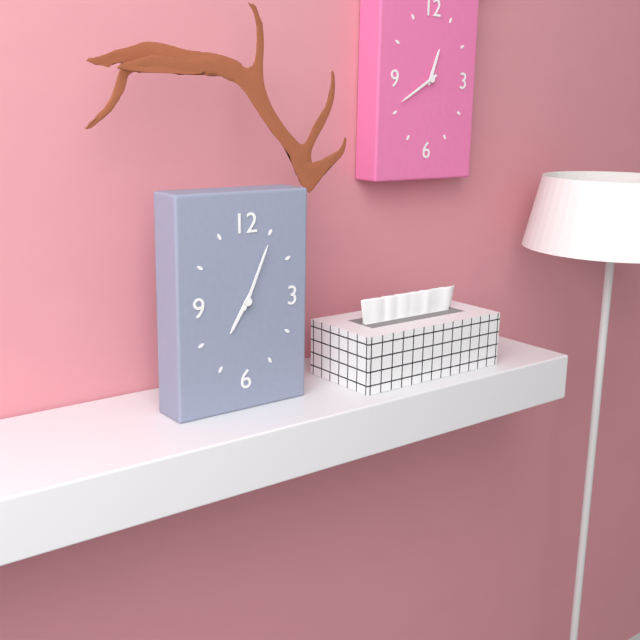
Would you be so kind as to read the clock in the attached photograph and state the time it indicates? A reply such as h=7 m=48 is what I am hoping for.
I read h=7 m=4
